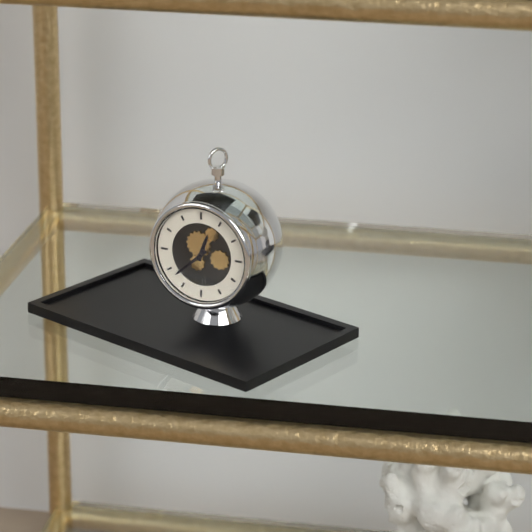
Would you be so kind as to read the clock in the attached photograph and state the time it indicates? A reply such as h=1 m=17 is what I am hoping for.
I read h=12 m=38
